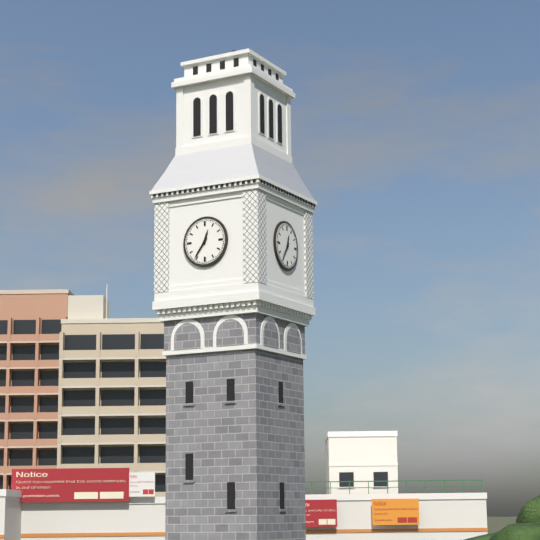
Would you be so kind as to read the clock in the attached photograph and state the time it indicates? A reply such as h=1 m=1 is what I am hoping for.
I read h=12 m=36
